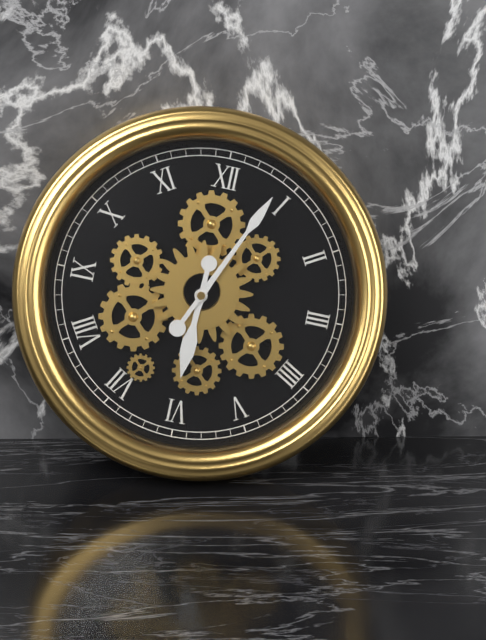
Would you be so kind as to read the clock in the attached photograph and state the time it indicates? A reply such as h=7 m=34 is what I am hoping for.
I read h=6 m=4
